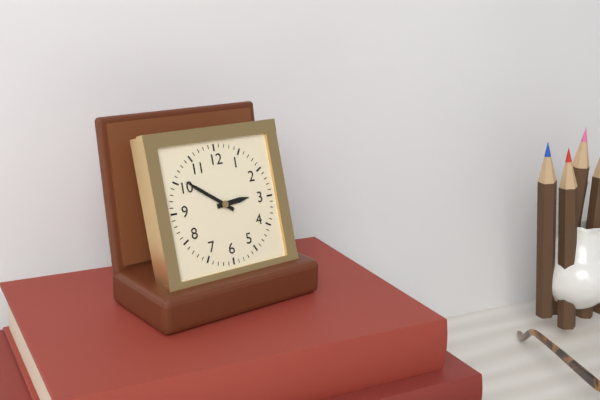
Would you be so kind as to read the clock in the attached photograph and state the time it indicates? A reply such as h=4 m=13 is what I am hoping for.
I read h=2 m=51
